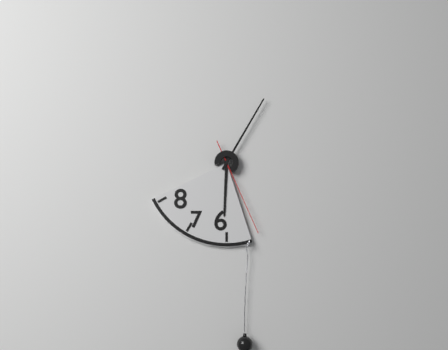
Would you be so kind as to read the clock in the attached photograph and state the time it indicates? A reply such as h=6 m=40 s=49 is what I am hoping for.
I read h=6 m=5 s=26
